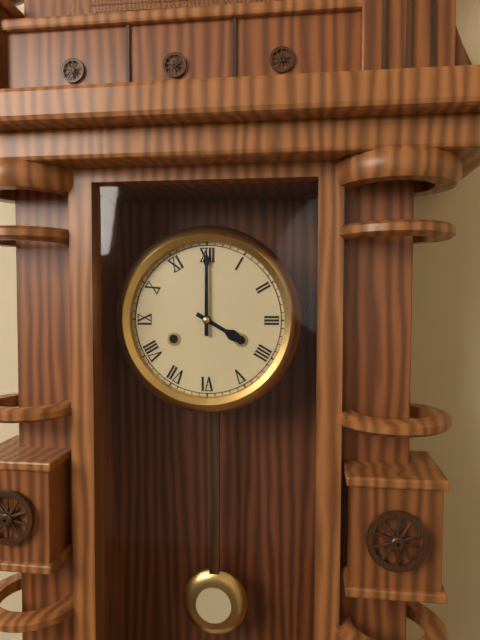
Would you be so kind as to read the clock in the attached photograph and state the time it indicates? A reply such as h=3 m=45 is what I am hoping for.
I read h=4 m=0
